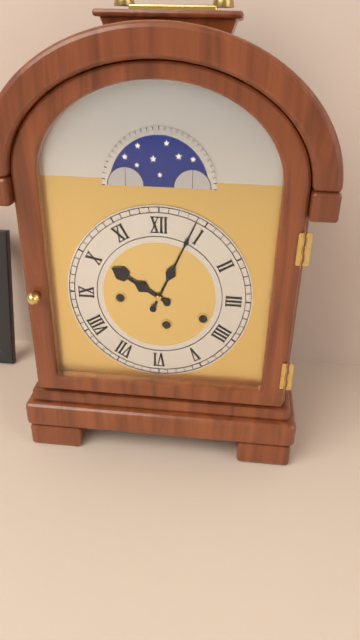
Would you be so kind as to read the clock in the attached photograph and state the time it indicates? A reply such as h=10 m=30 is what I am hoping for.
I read h=10 m=4
